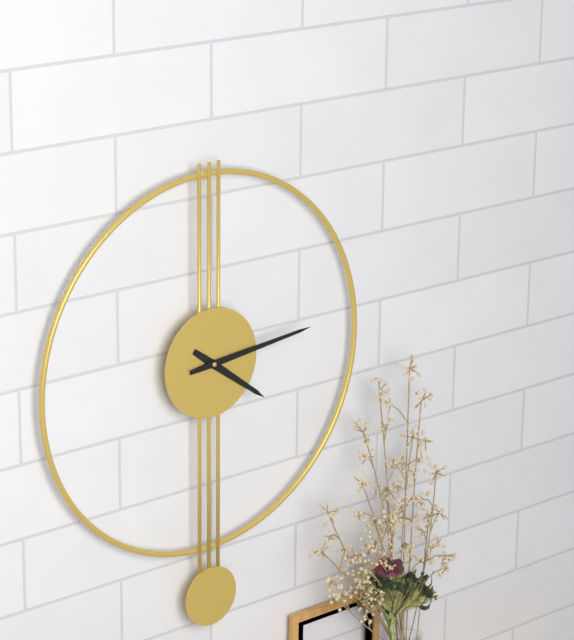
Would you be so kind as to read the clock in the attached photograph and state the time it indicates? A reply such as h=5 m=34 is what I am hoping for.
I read h=4 m=14
